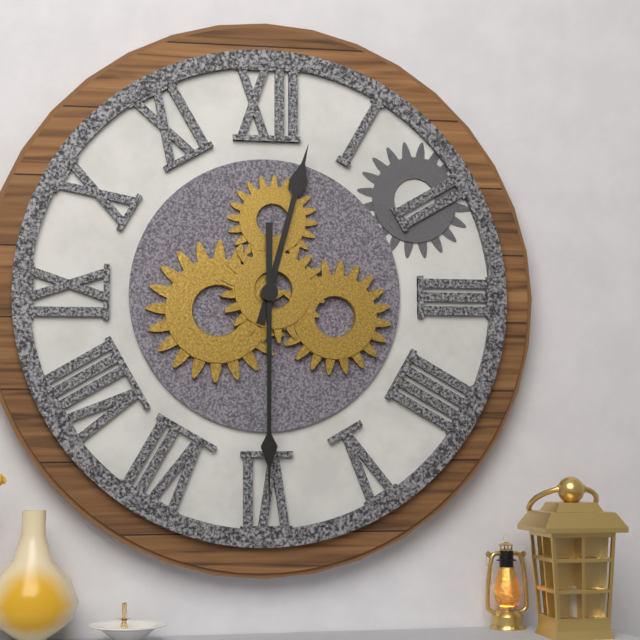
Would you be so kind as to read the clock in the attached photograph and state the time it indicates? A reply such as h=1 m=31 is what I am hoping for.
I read h=12 m=30
